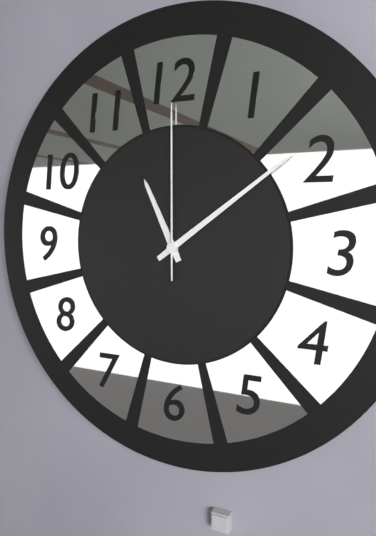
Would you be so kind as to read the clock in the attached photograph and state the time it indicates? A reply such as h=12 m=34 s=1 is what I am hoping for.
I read h=11 m=9 s=0
